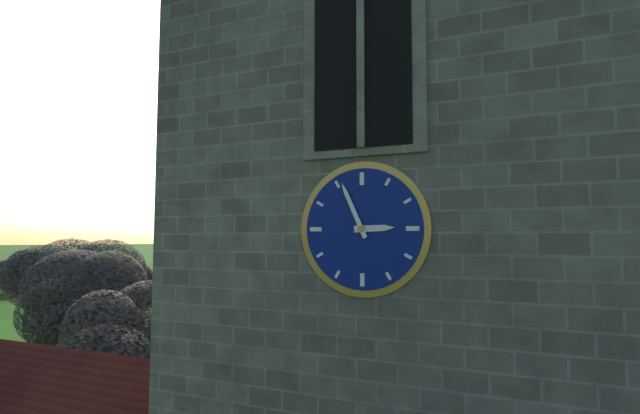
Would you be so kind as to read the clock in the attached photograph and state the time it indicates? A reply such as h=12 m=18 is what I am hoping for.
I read h=2 m=56
